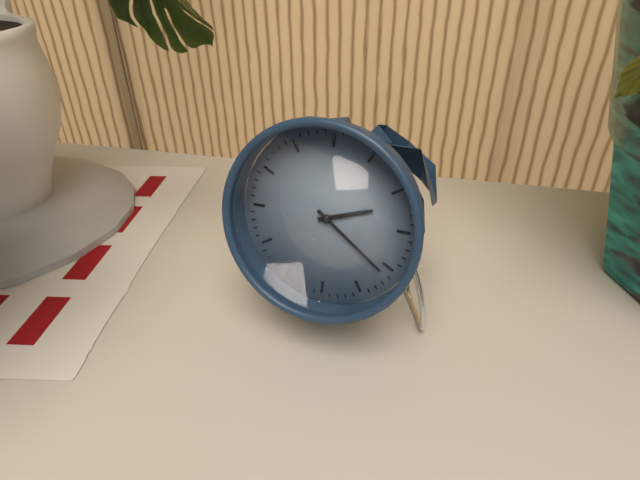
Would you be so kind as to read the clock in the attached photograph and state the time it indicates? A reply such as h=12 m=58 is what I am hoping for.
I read h=2 m=21
